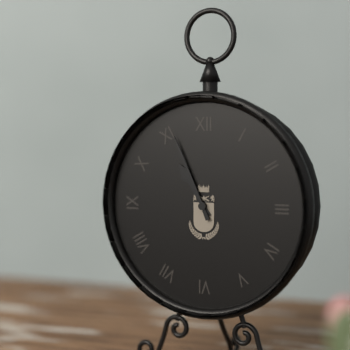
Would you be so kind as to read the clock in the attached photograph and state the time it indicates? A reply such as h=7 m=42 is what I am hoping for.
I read h=10 m=56
